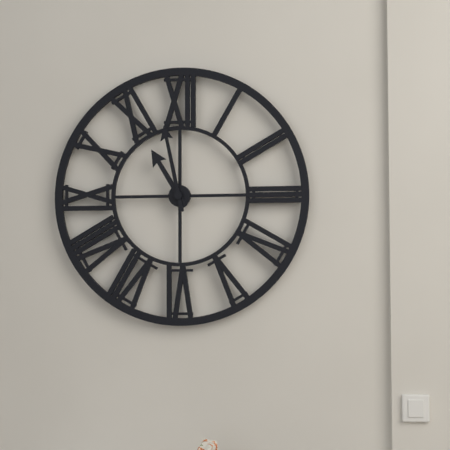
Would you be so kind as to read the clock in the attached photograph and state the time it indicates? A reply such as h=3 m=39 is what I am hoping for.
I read h=10 m=58
